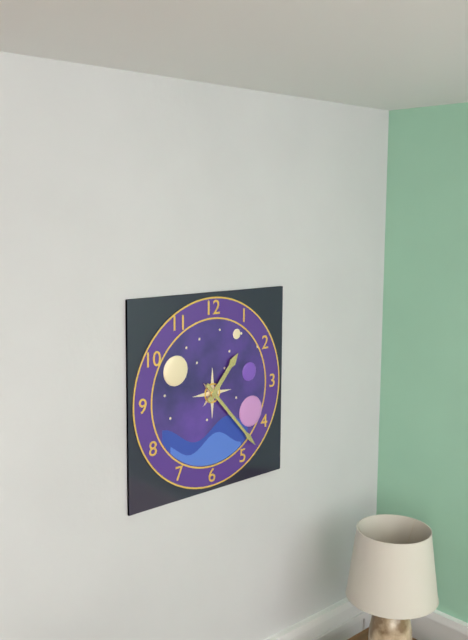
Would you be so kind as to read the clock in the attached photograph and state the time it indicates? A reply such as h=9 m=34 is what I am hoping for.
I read h=1 m=23
